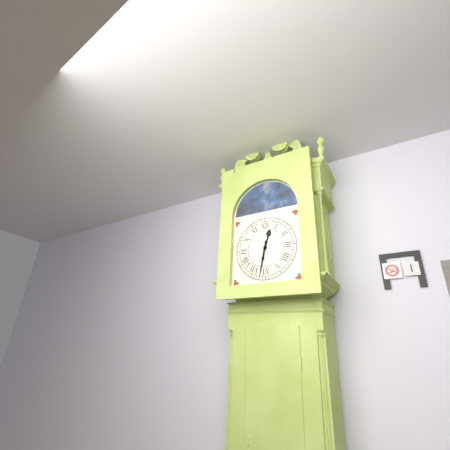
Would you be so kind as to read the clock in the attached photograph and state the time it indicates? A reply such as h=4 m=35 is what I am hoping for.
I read h=12 m=32
